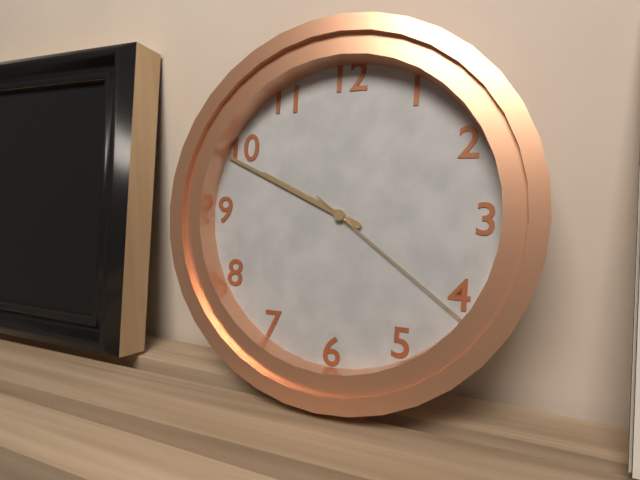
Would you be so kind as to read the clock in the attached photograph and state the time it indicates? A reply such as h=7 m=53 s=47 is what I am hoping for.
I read h=9 m=49 s=21
